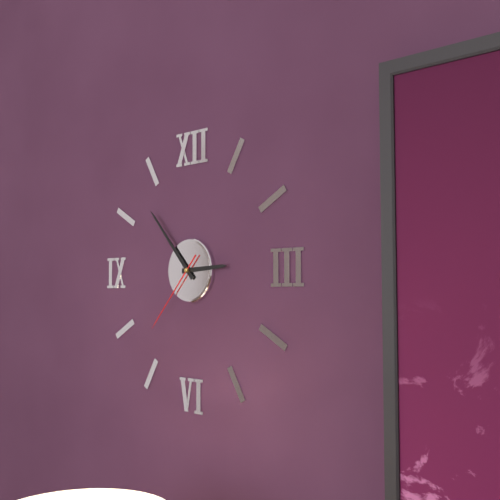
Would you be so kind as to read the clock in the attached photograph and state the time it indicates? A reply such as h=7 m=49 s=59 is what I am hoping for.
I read h=2 m=53 s=37
